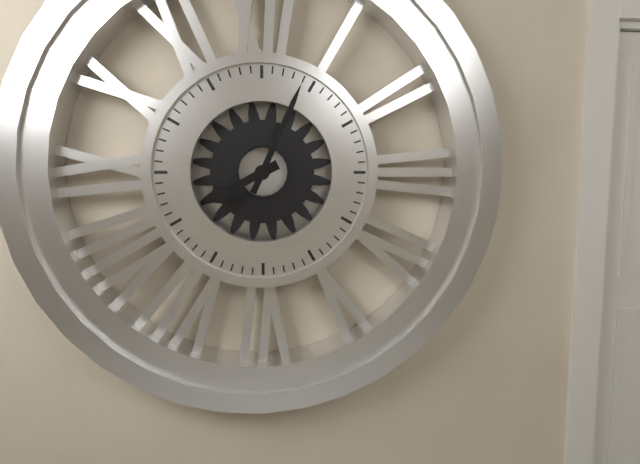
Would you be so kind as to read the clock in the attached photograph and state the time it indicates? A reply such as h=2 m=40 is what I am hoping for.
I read h=8 m=4
